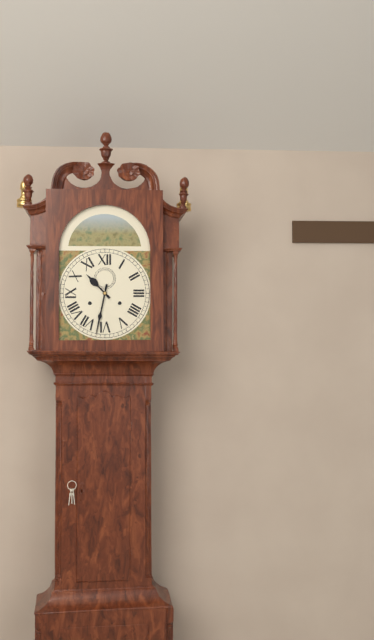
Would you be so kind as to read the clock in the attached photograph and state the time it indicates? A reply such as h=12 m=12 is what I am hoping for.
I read h=10 m=32
